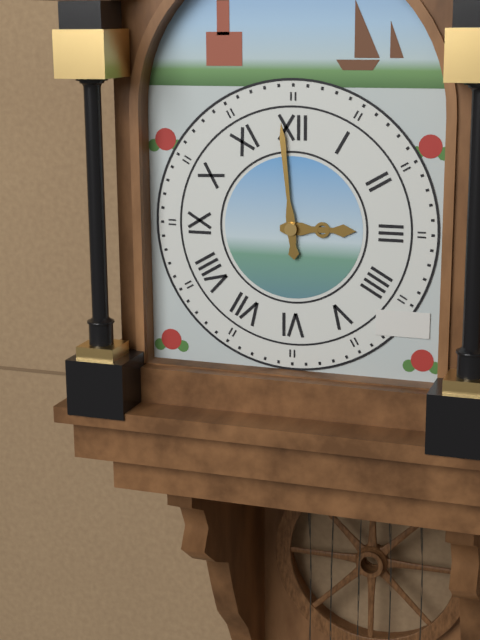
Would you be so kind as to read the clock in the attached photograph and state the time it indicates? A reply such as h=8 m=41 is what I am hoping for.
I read h=2 m=59
